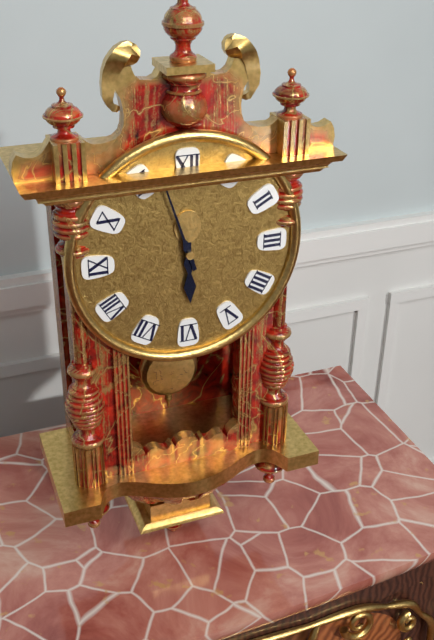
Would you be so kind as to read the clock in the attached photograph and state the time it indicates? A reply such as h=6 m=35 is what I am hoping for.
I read h=5 m=57
